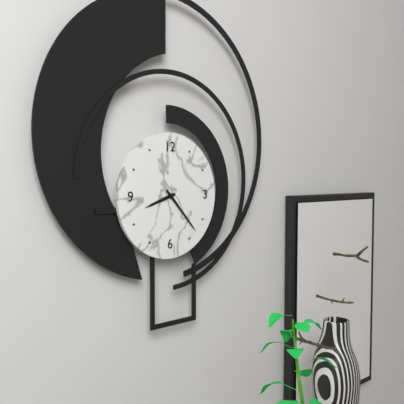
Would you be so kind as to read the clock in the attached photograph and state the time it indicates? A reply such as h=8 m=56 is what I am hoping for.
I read h=8 m=23
